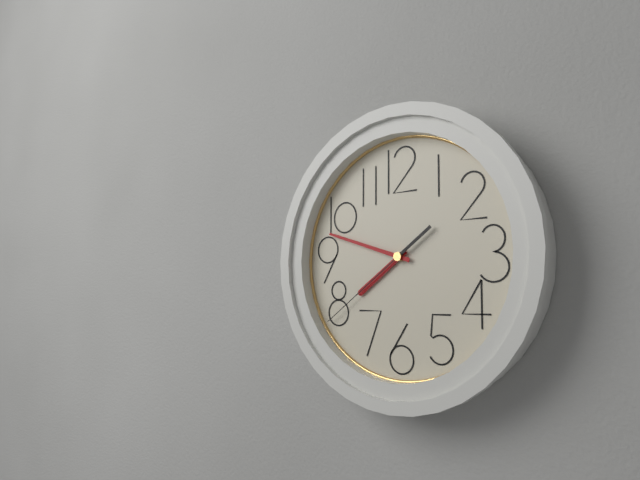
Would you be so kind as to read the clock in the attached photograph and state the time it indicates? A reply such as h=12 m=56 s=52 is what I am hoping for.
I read h=7 m=48 s=39
